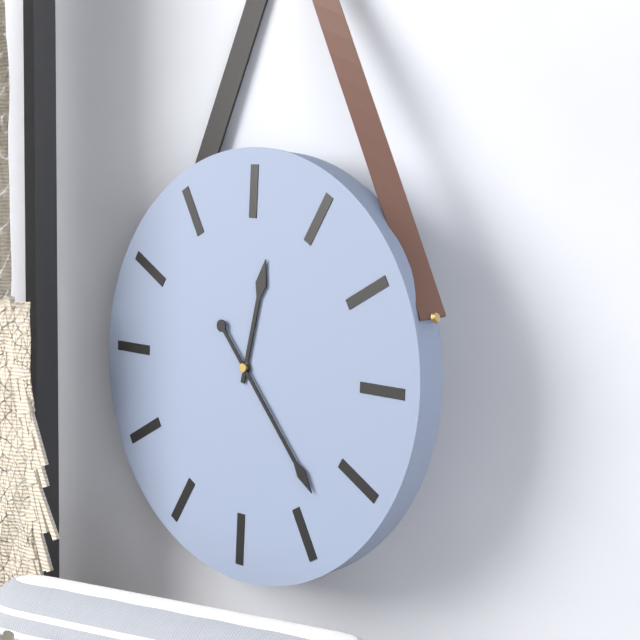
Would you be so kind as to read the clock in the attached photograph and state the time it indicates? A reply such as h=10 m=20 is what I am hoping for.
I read h=12 m=23
